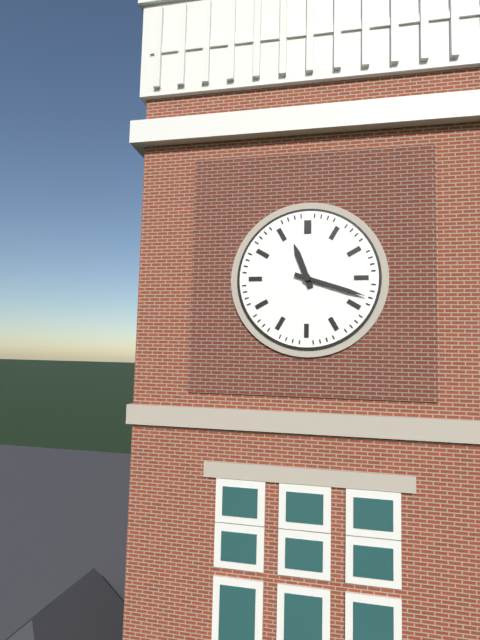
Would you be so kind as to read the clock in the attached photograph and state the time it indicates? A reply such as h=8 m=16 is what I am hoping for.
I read h=11 m=18
